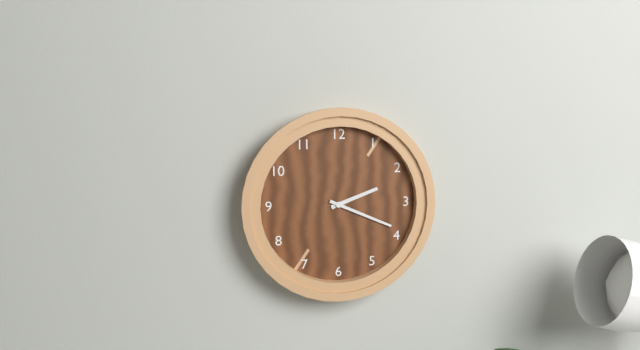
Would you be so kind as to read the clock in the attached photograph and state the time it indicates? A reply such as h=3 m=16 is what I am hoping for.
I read h=2 m=19
